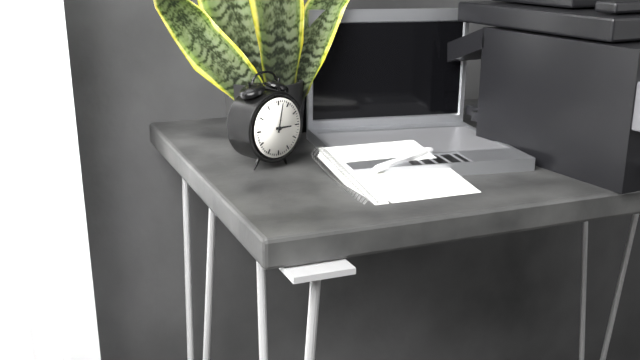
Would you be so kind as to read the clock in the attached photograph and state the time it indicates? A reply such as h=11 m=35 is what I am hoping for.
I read h=3 m=2
